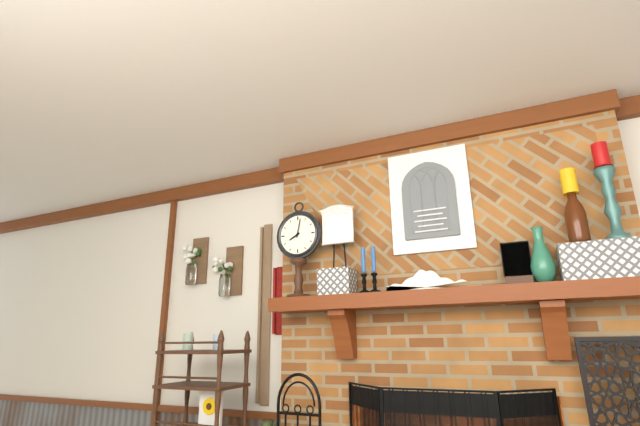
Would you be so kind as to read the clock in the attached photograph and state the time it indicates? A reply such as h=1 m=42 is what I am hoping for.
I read h=8 m=2
